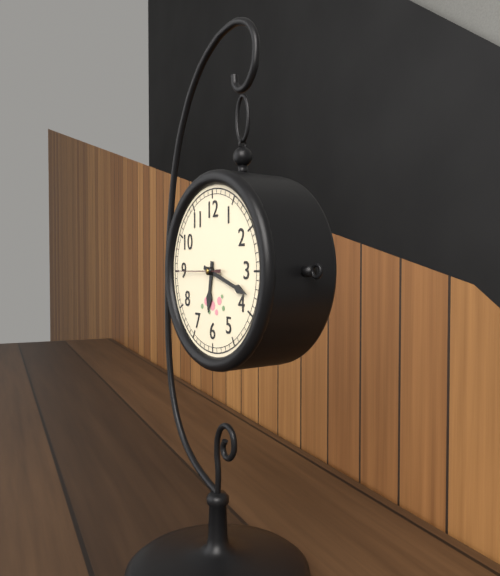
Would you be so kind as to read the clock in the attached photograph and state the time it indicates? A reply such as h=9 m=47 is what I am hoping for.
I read h=6 m=18
